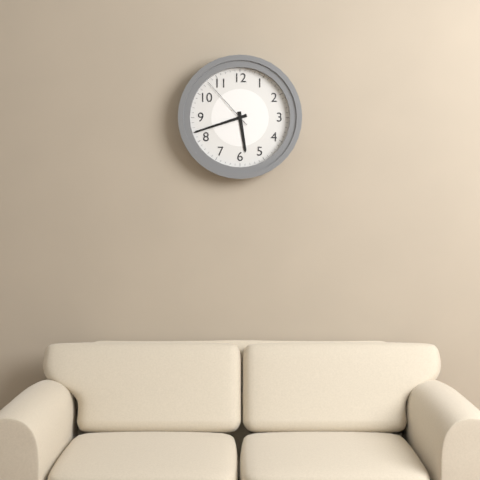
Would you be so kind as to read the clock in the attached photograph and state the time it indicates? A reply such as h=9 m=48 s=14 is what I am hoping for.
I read h=5 m=42 s=53
